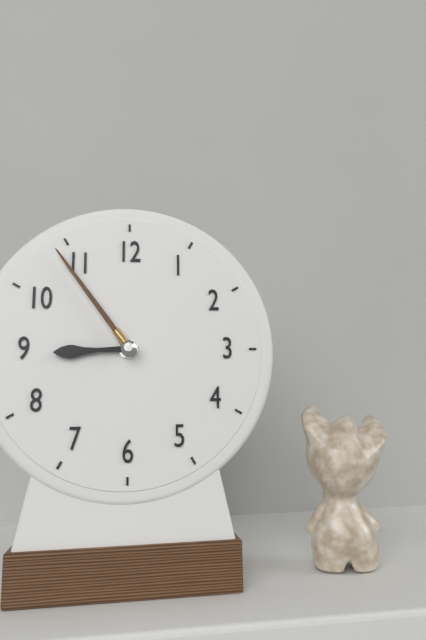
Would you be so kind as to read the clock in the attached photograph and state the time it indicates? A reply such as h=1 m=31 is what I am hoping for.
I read h=8 m=54
